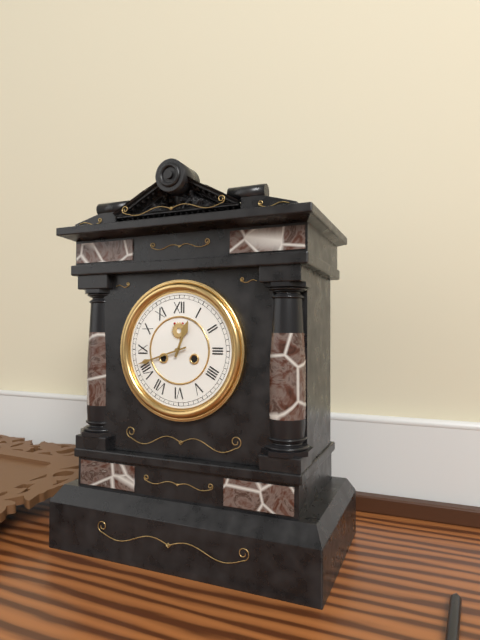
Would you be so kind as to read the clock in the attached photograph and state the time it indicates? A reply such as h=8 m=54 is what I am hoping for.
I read h=12 m=42
